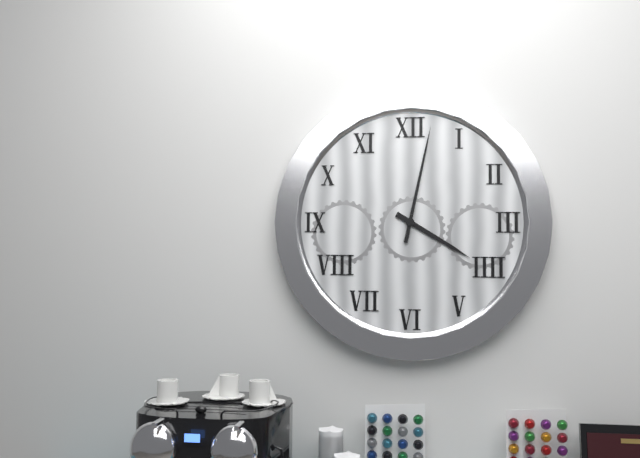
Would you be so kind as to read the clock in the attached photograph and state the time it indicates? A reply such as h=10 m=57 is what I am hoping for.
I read h=4 m=2
